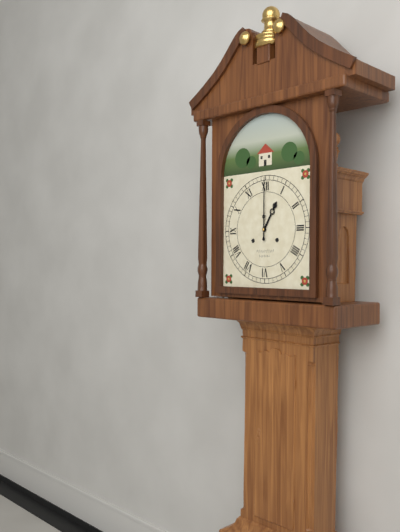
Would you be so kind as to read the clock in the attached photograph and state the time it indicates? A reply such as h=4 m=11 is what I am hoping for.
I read h=1 m=0
